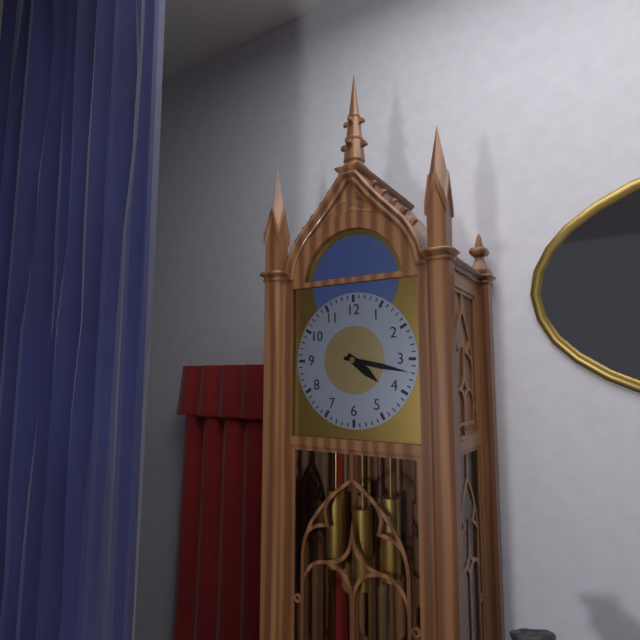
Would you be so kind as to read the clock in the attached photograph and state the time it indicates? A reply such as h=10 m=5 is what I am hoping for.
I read h=4 m=17
